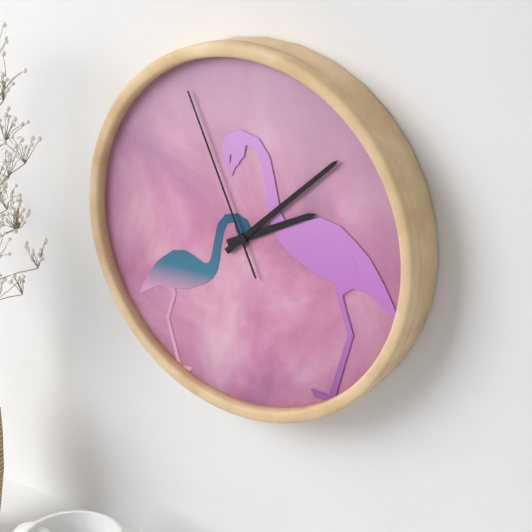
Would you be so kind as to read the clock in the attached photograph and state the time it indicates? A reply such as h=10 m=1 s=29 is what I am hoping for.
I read h=2 m=8 s=56
